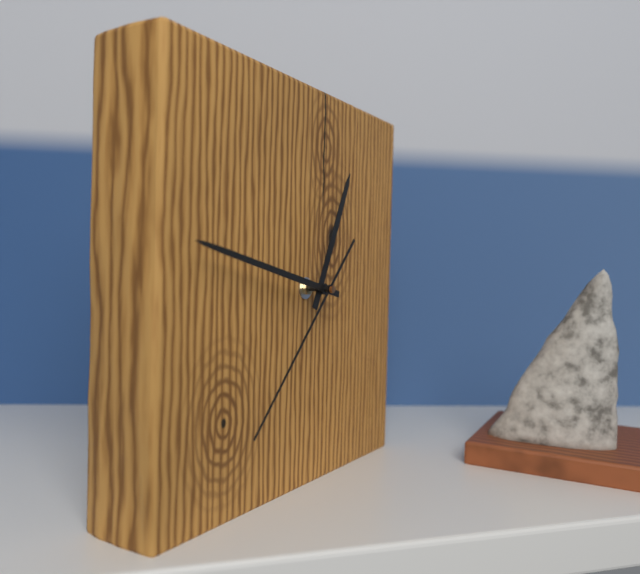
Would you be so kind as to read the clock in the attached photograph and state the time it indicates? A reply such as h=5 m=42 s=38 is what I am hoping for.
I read h=12 m=47 s=37
